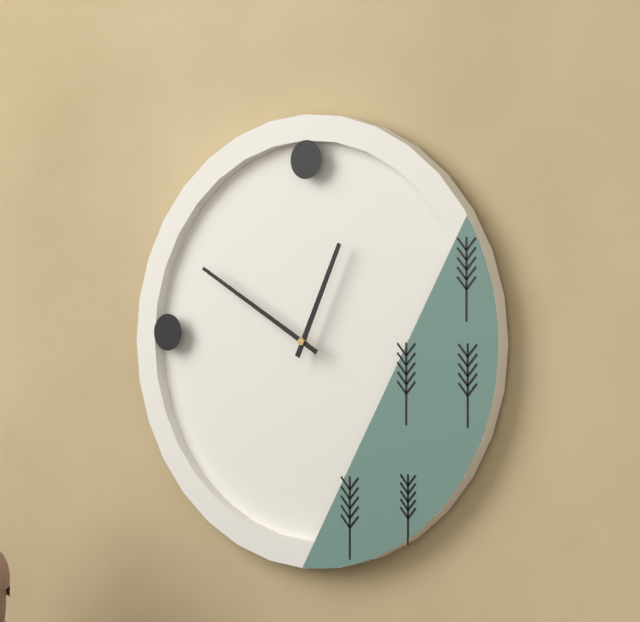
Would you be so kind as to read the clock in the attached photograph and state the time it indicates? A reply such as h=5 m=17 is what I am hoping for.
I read h=12 m=50
